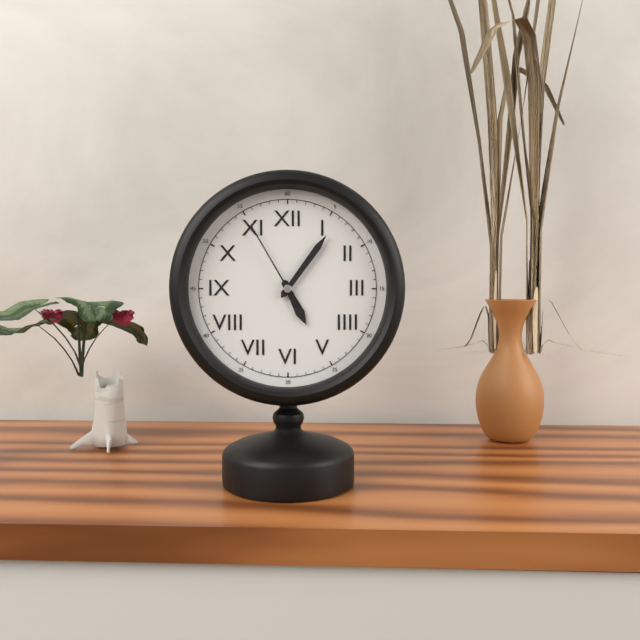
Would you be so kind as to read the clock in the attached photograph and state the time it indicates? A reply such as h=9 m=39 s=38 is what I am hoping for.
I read h=5 m=6 s=55
